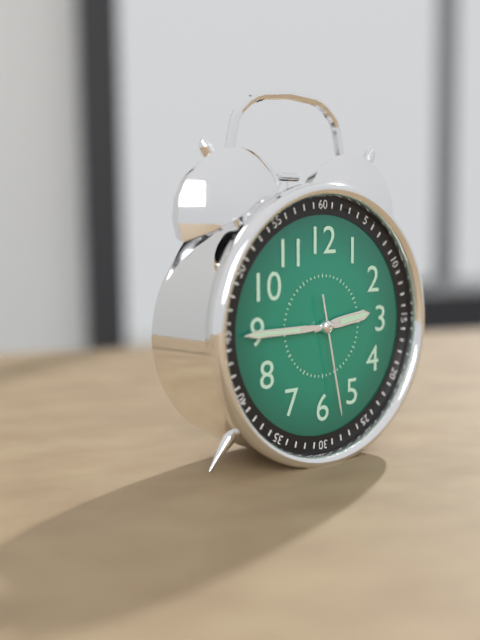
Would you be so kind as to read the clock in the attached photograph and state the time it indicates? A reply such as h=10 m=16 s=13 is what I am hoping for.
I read h=2 m=45 s=28
